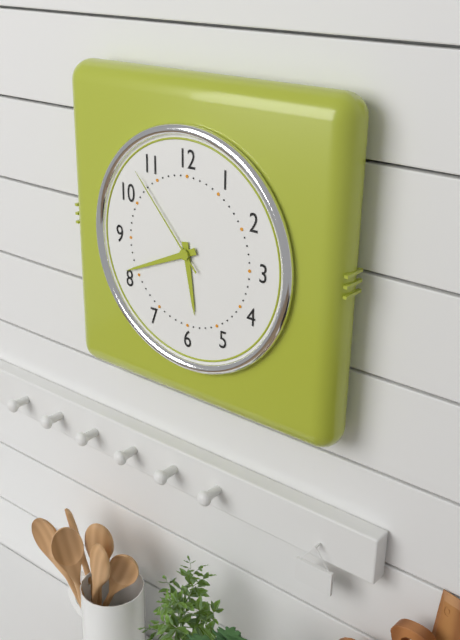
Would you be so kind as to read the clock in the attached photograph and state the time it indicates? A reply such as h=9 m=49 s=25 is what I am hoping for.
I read h=5 m=41 s=53
